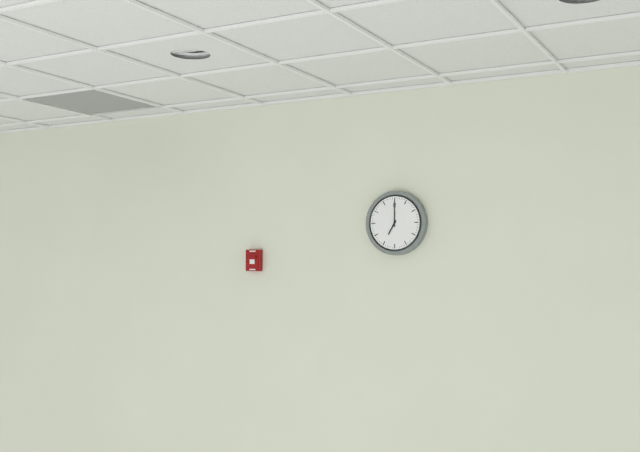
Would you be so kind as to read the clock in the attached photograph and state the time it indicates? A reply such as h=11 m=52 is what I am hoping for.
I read h=7 m=0
